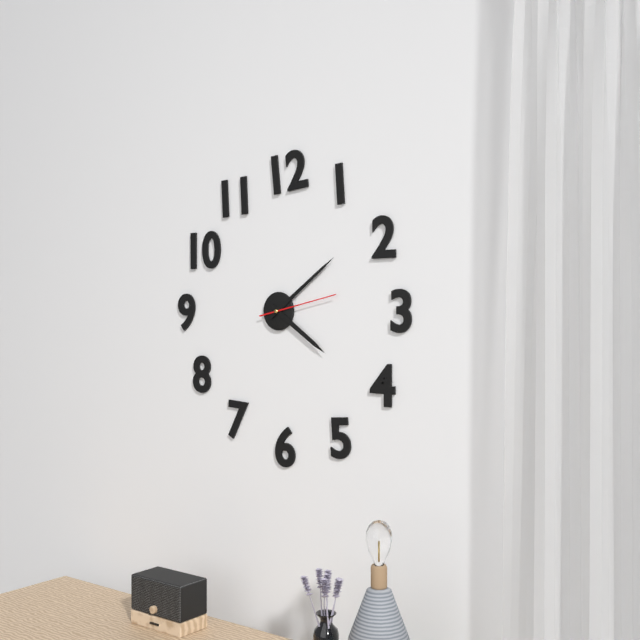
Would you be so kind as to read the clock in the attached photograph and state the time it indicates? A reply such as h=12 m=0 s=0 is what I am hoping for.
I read h=4 m=9 s=13
